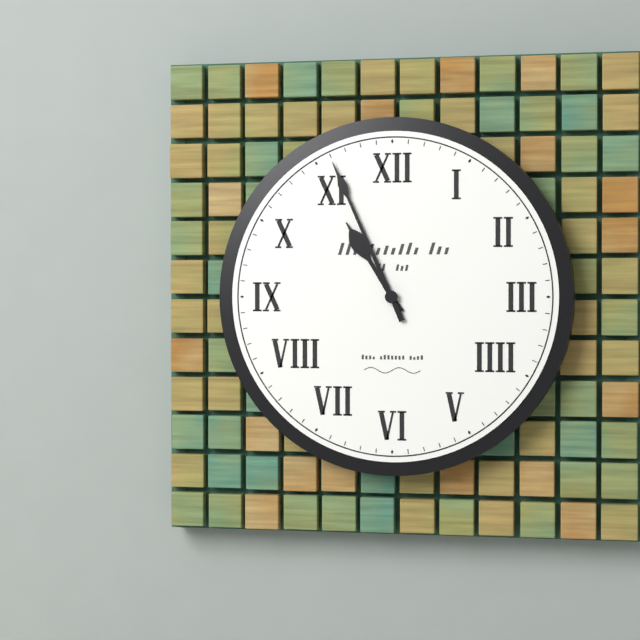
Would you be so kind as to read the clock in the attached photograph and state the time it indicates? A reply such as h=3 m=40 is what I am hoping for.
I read h=10 m=56
